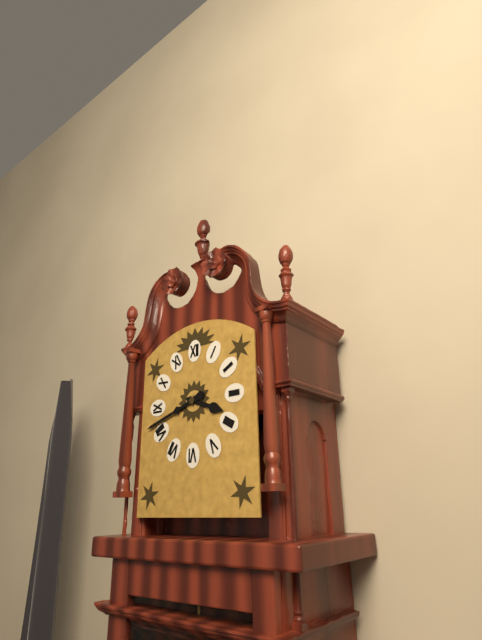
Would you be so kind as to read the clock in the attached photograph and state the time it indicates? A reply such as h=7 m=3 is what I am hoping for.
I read h=3 m=42
